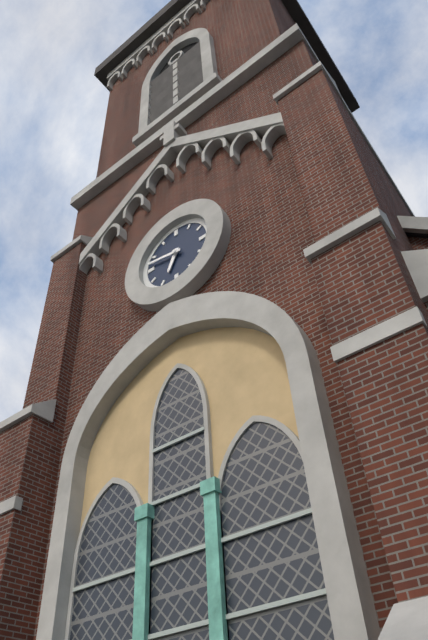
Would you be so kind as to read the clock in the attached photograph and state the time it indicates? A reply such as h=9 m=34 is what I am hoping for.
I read h=6 m=47
